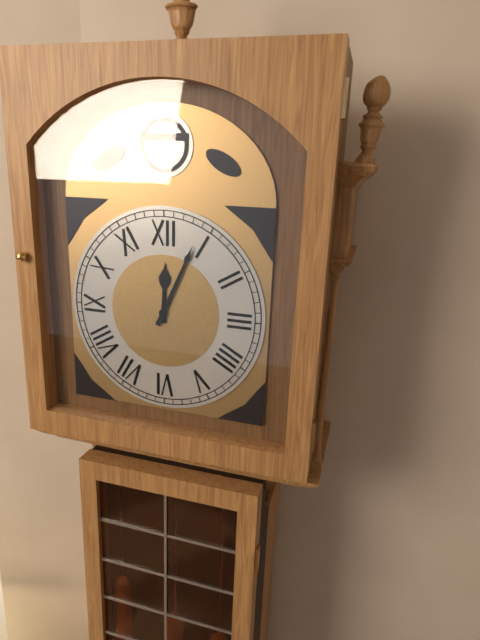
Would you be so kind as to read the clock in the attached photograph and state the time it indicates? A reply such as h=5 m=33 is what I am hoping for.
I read h=12 m=4
